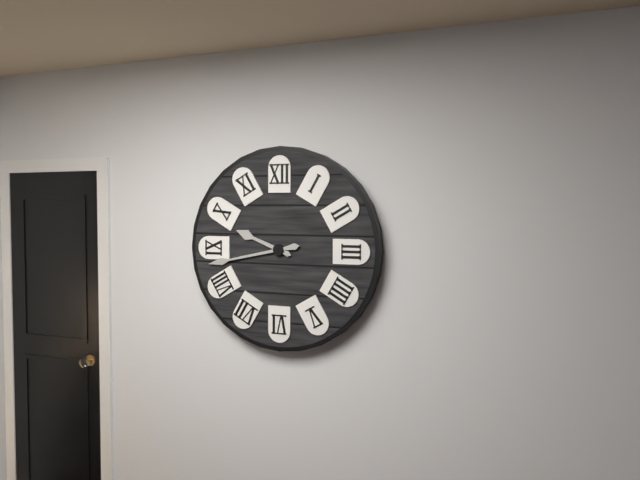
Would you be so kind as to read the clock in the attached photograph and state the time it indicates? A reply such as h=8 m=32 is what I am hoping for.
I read h=9 m=43
